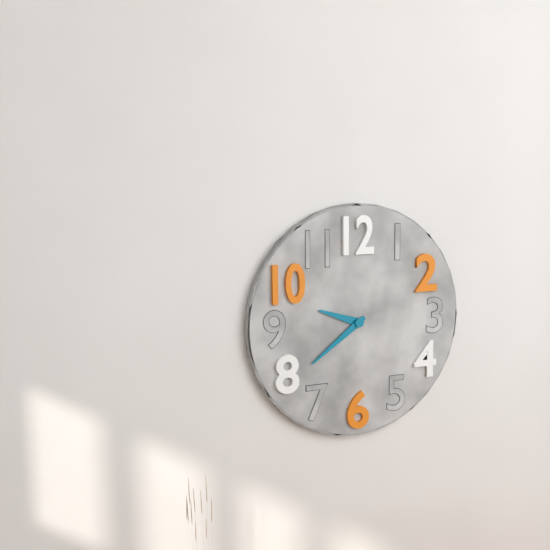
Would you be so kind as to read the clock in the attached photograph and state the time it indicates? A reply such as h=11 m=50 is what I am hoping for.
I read h=9 m=39
